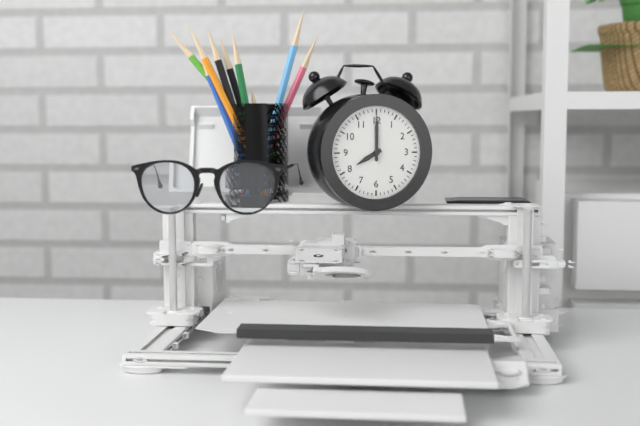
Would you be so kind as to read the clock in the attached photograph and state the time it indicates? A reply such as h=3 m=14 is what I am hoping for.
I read h=8 m=0
